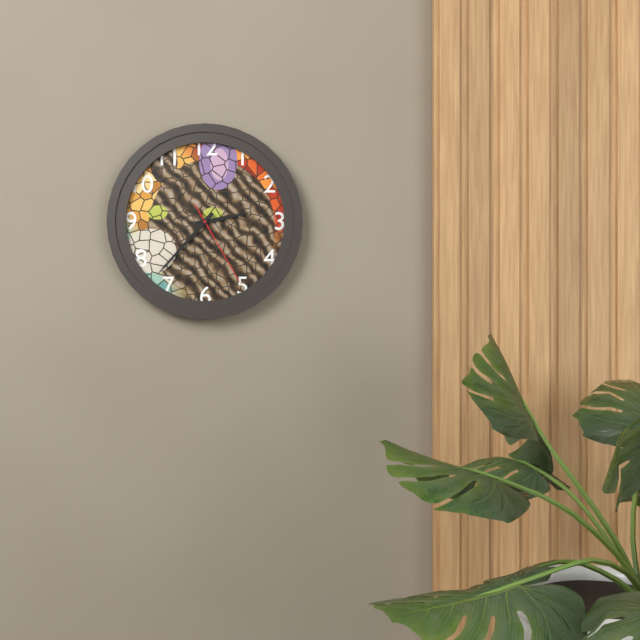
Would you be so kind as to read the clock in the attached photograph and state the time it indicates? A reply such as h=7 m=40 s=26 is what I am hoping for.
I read h=2 m=37 s=25
